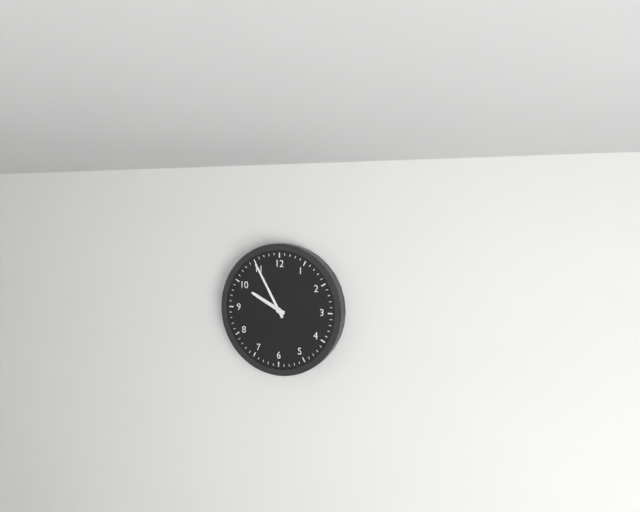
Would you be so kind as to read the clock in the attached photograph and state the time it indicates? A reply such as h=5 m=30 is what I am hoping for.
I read h=9 m=55
